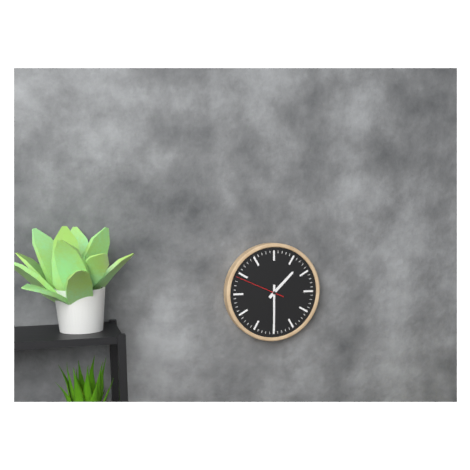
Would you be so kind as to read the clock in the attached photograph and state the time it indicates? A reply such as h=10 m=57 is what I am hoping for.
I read h=1 m=30
